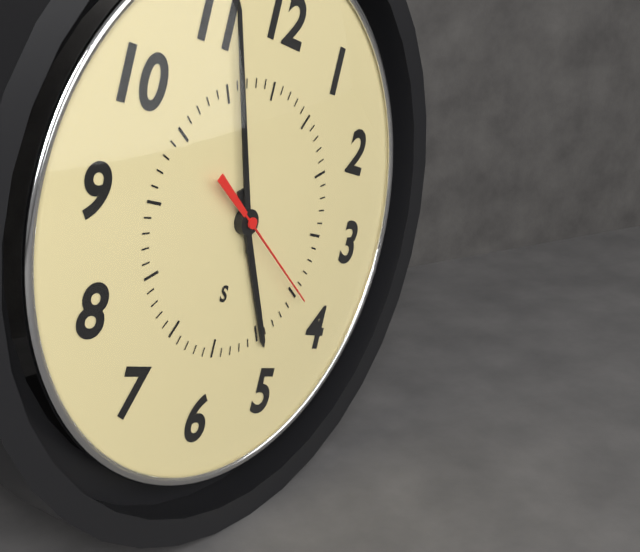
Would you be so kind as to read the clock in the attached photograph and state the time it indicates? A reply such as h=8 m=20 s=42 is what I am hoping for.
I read h=4 m=56 s=20
